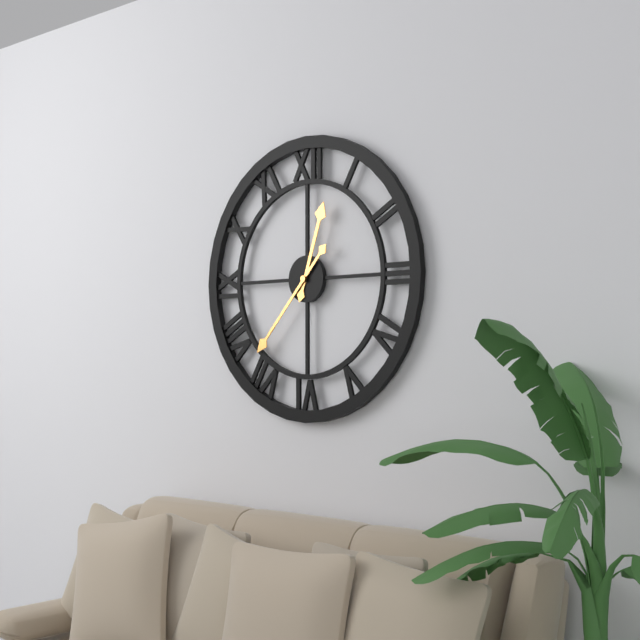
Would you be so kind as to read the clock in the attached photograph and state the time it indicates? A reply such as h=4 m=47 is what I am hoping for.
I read h=12 m=37
